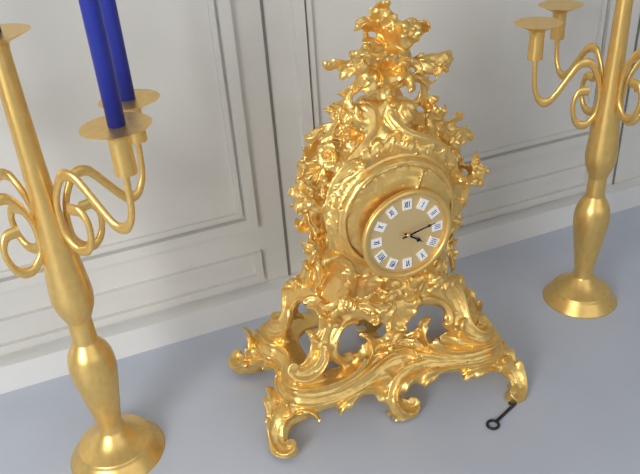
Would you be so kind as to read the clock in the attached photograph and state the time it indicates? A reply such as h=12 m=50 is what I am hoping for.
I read h=4 m=13
